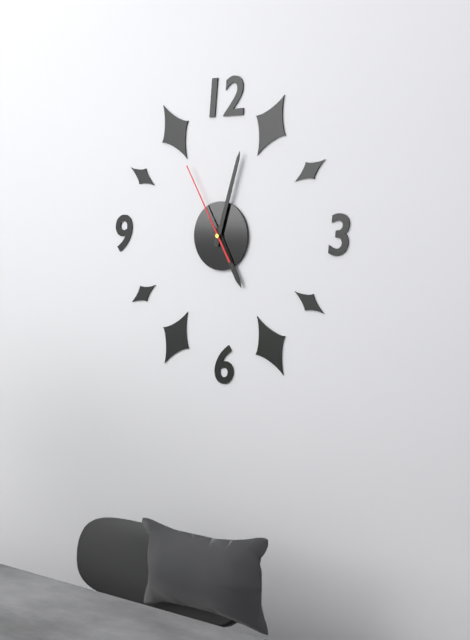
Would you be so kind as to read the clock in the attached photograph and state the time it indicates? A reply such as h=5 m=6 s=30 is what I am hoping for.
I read h=5 m=3 s=55
